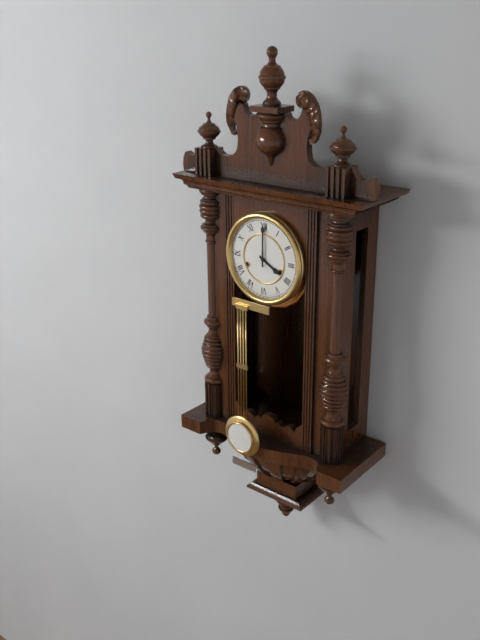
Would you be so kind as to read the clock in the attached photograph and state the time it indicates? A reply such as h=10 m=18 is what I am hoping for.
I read h=4 m=0
